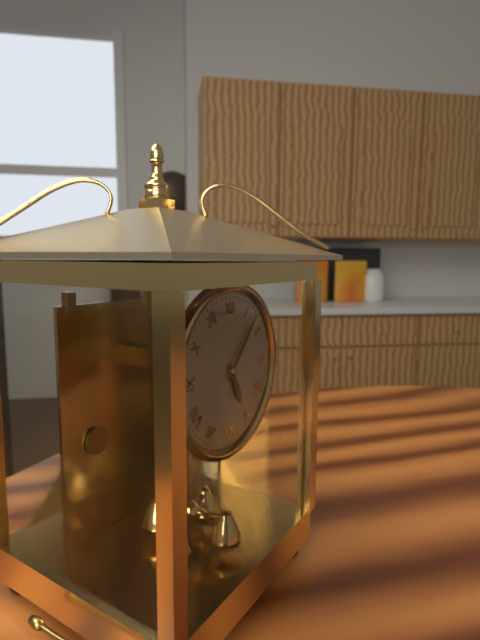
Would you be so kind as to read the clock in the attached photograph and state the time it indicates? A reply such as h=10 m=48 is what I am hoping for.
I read h=5 m=7
